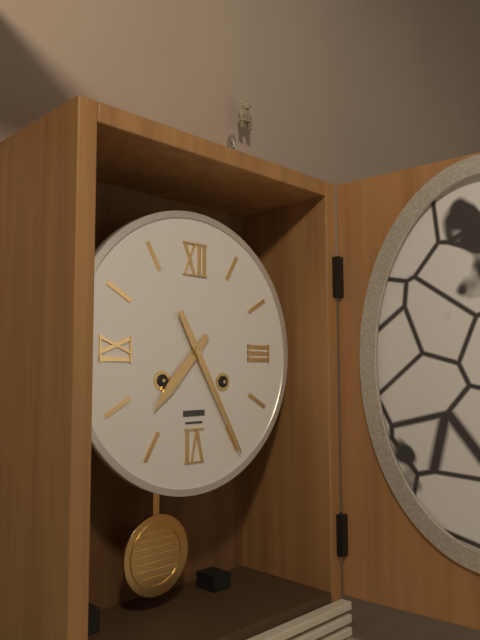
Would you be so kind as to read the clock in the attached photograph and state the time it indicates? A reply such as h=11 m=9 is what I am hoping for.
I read h=7 m=25
